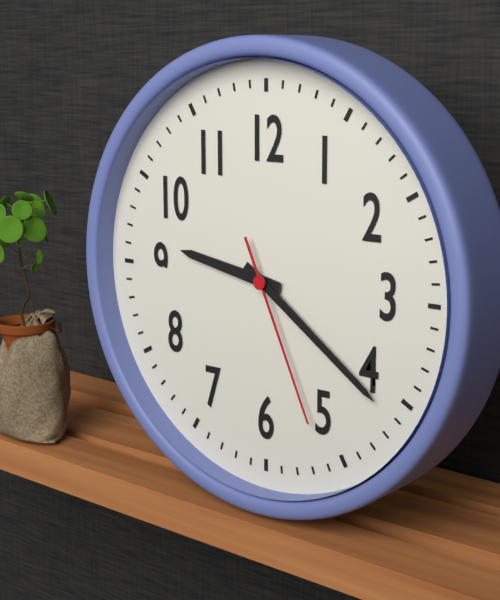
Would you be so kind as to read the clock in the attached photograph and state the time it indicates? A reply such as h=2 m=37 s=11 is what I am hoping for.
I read h=9 m=21 s=26
